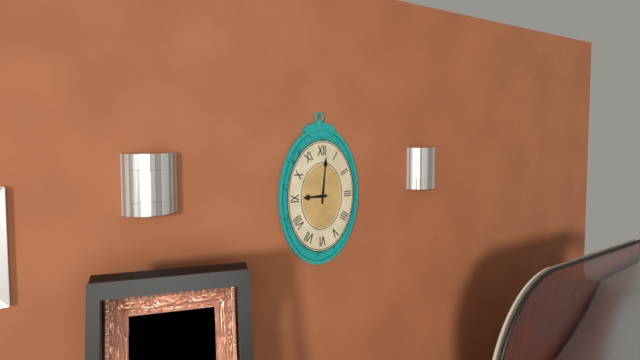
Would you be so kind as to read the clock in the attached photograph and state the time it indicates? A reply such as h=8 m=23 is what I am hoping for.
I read h=9 m=1
